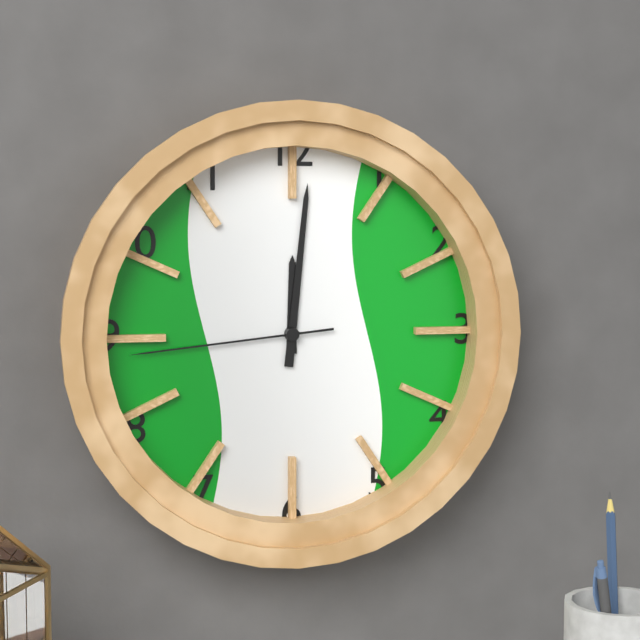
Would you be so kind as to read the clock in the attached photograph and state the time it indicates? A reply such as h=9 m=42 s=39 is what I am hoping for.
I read h=12 m=1 s=44
